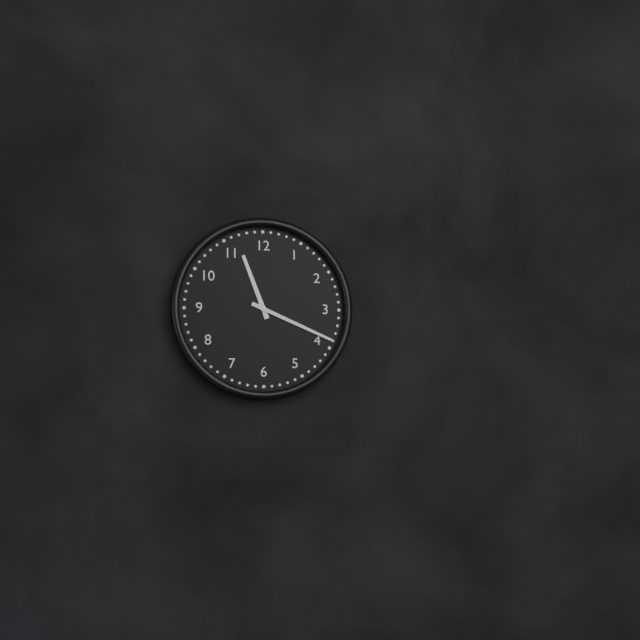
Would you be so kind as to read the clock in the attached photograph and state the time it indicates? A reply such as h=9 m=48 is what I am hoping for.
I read h=11 m=19
